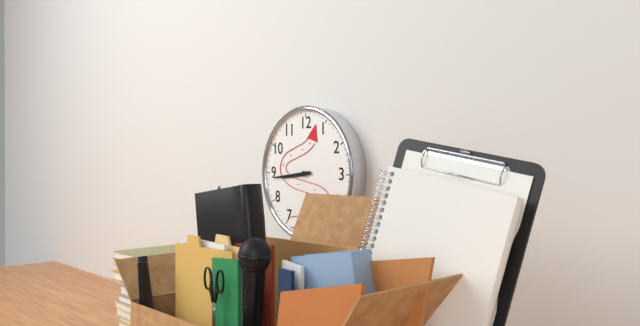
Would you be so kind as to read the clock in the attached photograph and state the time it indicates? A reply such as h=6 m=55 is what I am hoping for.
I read h=8 m=44
